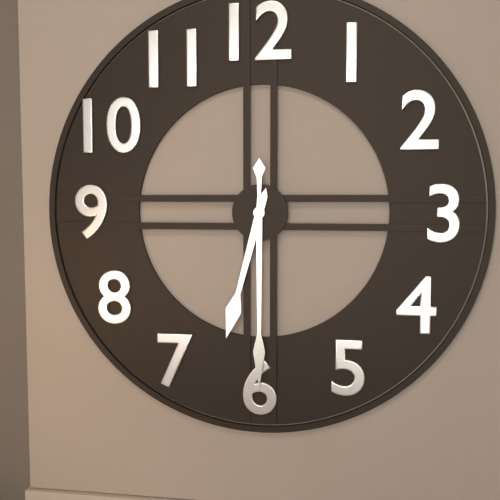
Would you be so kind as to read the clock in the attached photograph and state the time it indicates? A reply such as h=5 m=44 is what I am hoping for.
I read h=6 m=30
